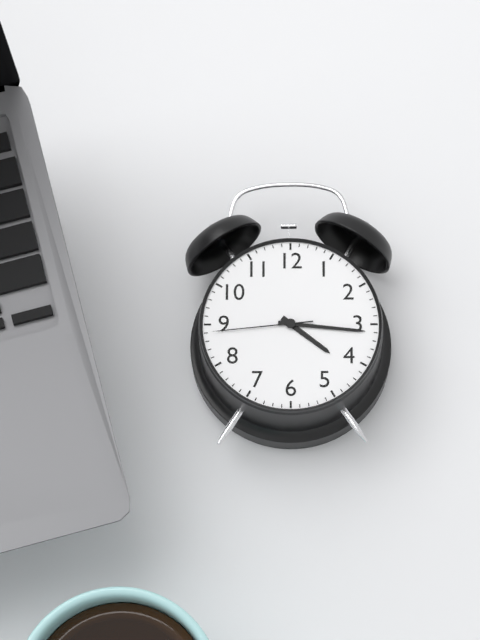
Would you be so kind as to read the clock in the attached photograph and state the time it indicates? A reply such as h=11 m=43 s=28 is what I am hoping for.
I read h=4 m=16 s=44
